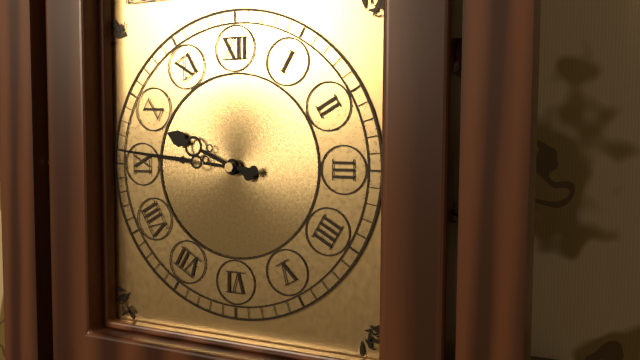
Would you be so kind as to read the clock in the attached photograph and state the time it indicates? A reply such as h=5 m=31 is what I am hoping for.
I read h=9 m=46
